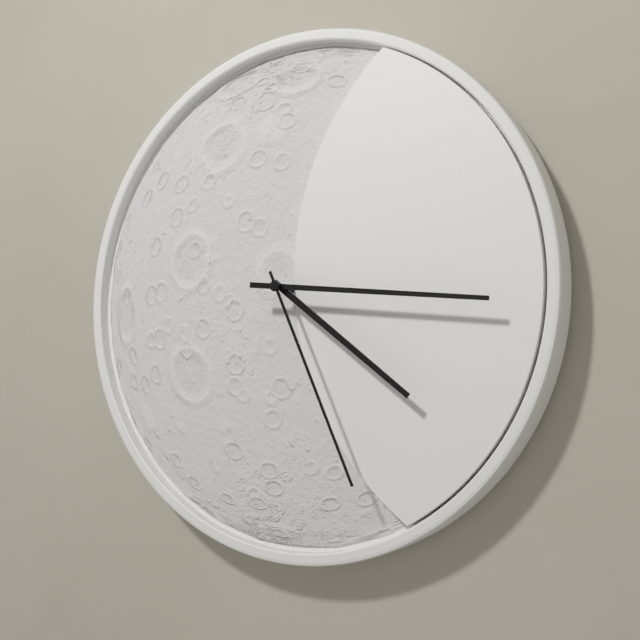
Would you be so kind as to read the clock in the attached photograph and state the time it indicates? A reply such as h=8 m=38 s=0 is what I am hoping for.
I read h=4 m=16 s=26
